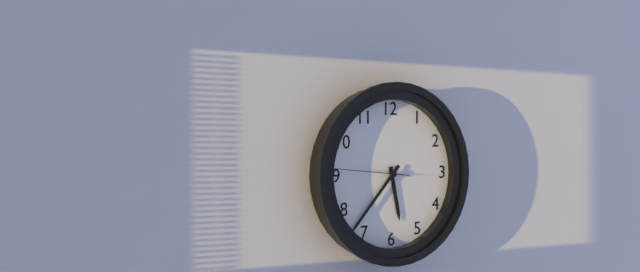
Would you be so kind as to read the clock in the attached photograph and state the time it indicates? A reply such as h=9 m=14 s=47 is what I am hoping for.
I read h=5 m=37 s=46
